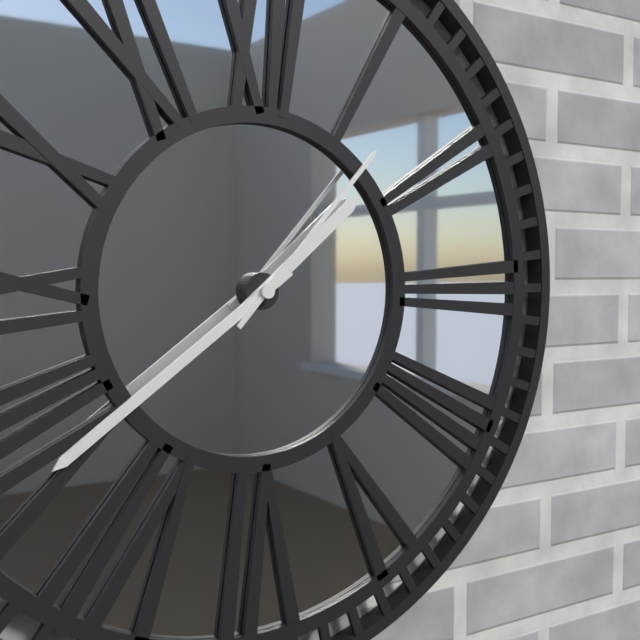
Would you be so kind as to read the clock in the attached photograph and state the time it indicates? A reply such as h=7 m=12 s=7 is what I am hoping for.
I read h=1 m=39 s=7
